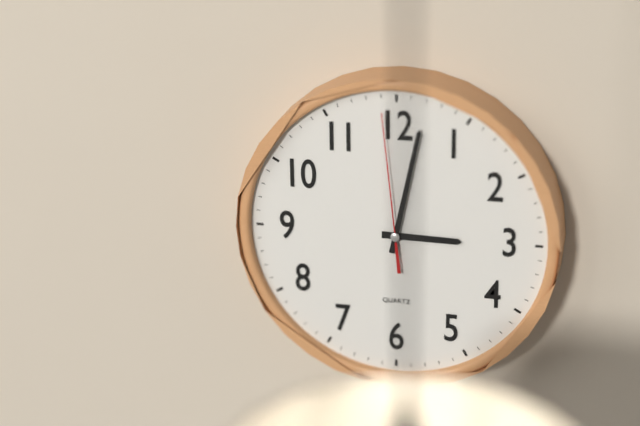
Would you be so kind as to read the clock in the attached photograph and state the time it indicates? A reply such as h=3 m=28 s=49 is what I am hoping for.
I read h=3 m=2 s=59
